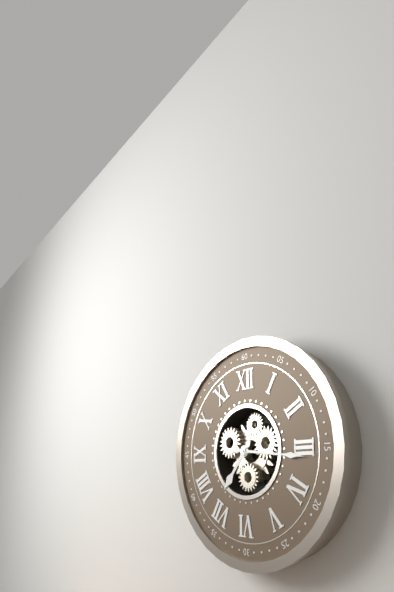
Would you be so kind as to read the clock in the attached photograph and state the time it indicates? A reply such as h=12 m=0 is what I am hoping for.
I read h=7 m=16
